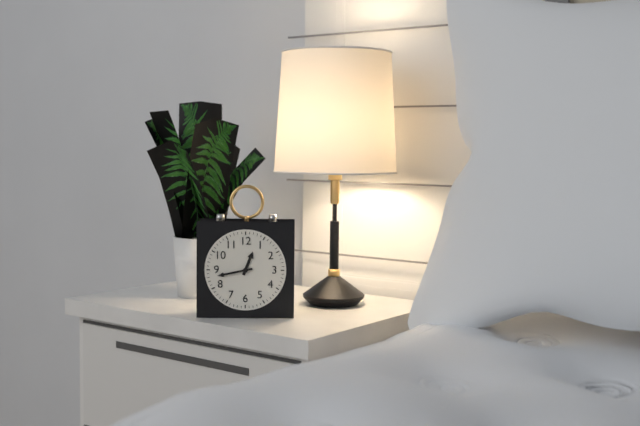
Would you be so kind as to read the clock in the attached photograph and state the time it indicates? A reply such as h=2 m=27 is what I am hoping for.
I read h=12 m=43
